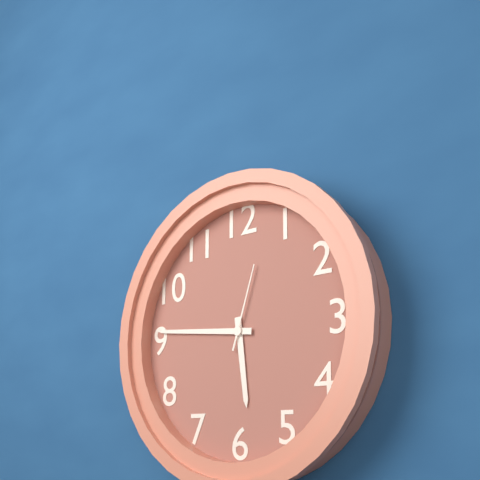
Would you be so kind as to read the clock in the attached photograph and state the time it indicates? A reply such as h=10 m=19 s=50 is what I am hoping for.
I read h=5 m=46 s=3
